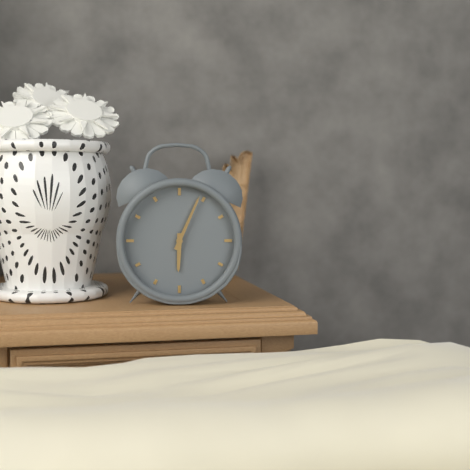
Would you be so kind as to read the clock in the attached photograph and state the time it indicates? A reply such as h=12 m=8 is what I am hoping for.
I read h=6 m=4
